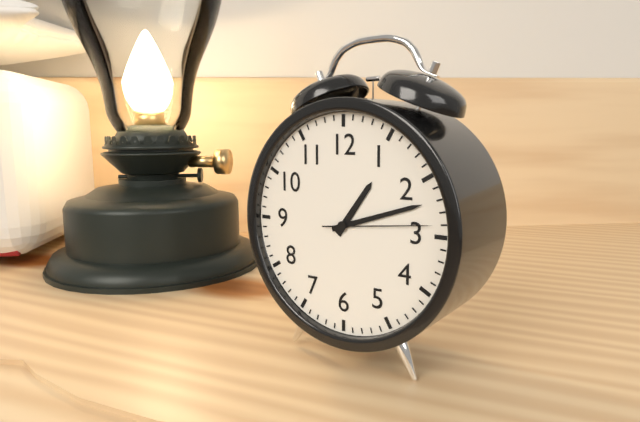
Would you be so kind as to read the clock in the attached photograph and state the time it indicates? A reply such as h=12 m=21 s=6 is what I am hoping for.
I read h=1 m=12 s=14
